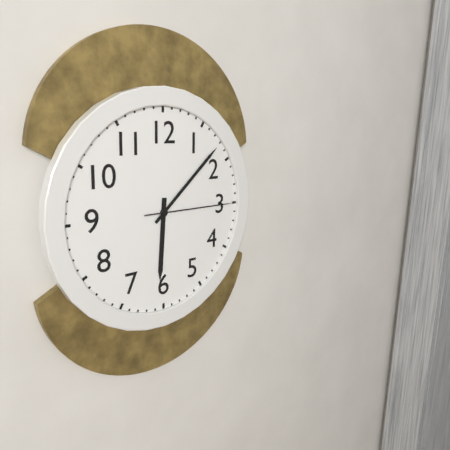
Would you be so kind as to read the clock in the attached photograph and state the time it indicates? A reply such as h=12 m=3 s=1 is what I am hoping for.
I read h=6 m=8 s=15
